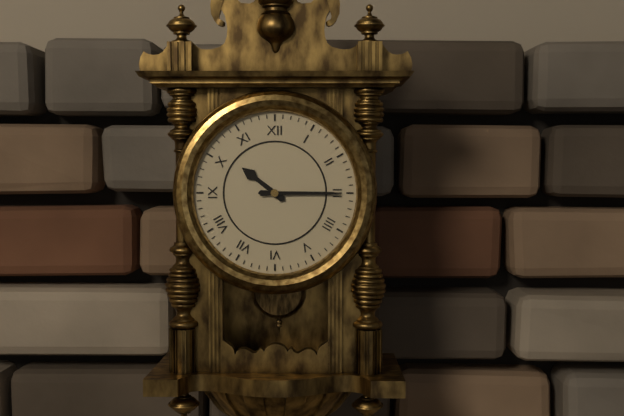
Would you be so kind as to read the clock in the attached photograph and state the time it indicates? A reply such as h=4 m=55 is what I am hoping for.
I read h=10 m=15
